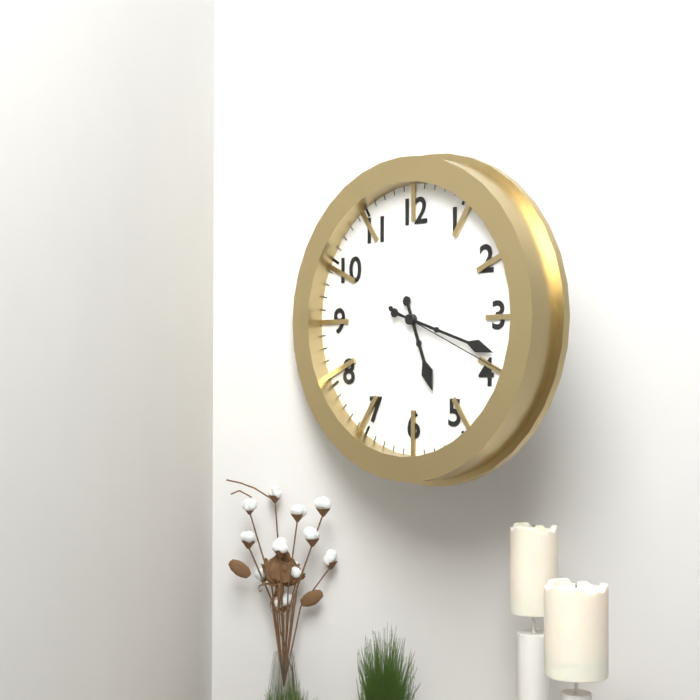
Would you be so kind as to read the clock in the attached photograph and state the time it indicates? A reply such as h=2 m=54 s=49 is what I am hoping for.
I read h=5 m=18 s=19
